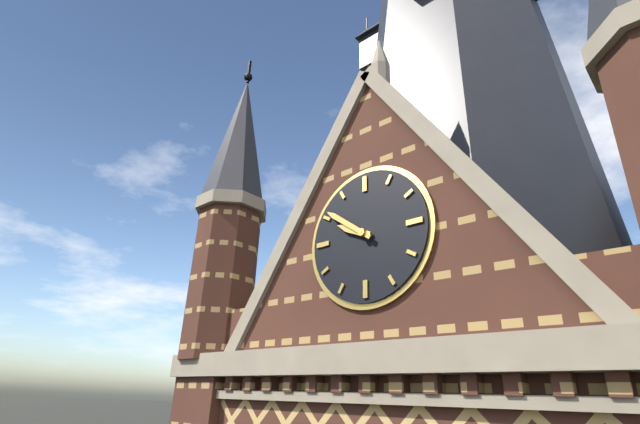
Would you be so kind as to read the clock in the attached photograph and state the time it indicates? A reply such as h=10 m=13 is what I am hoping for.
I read h=9 m=51
